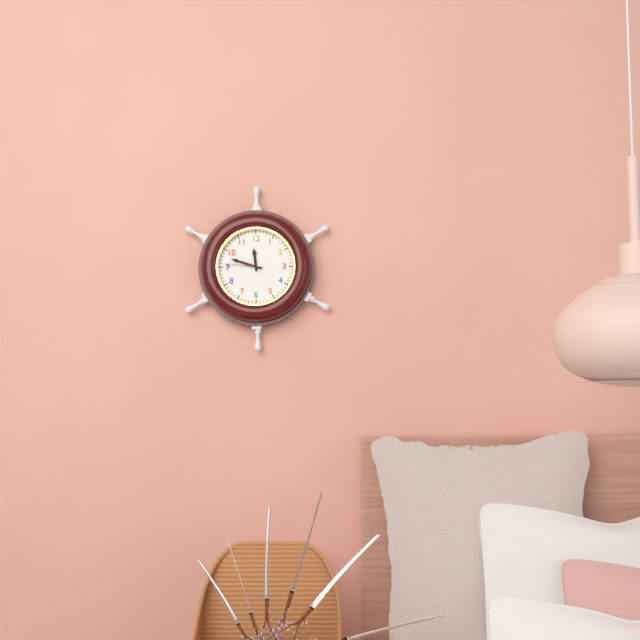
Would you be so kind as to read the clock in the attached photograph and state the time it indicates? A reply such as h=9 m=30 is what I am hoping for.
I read h=11 m=48
